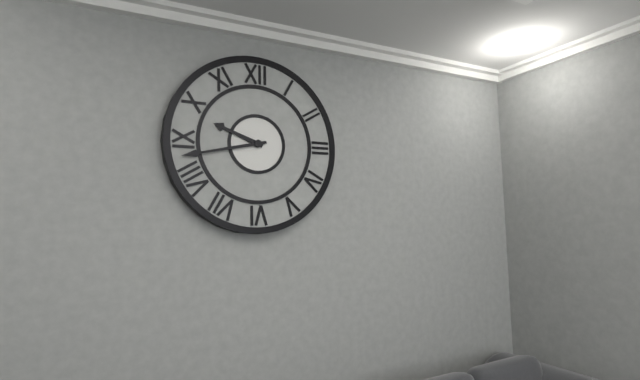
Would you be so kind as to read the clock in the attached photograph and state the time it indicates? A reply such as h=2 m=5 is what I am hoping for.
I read h=9 m=43
